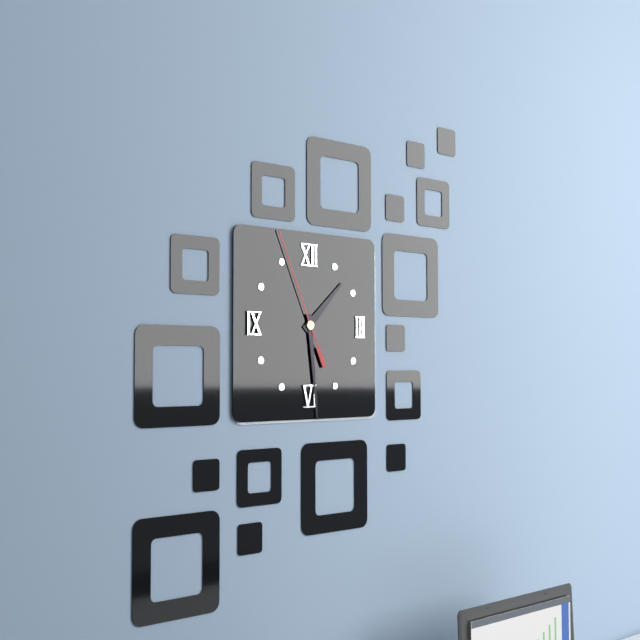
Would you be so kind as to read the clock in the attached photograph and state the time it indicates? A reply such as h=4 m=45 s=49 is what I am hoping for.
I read h=1 m=29 s=56
